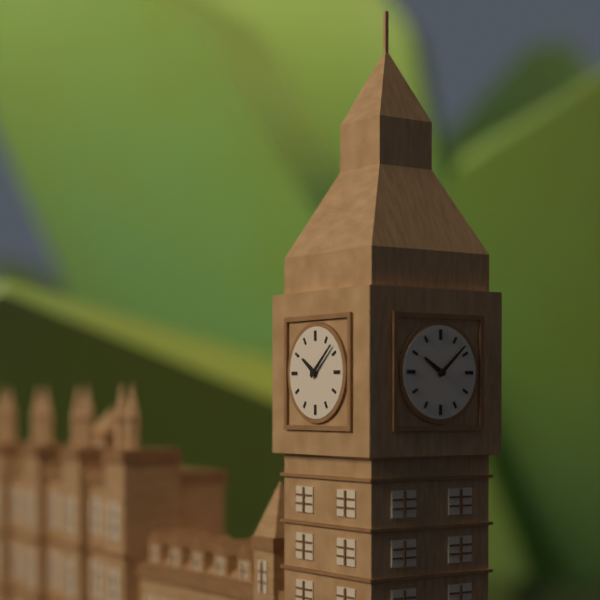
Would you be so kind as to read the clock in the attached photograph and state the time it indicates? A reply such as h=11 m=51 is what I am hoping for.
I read h=10 m=8
